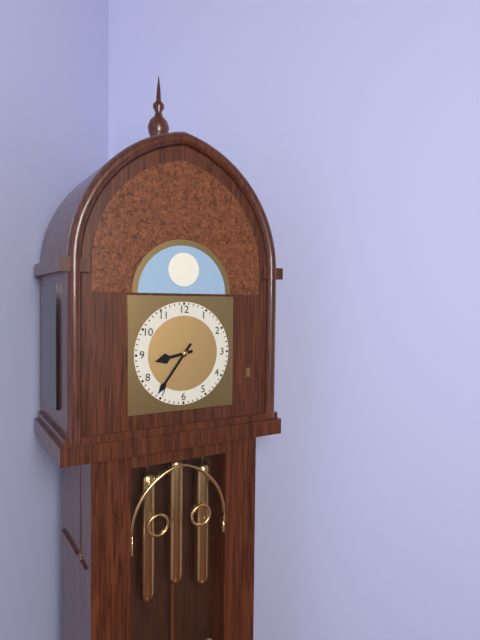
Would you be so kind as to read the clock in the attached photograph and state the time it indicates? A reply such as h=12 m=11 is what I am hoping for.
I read h=8 m=36
